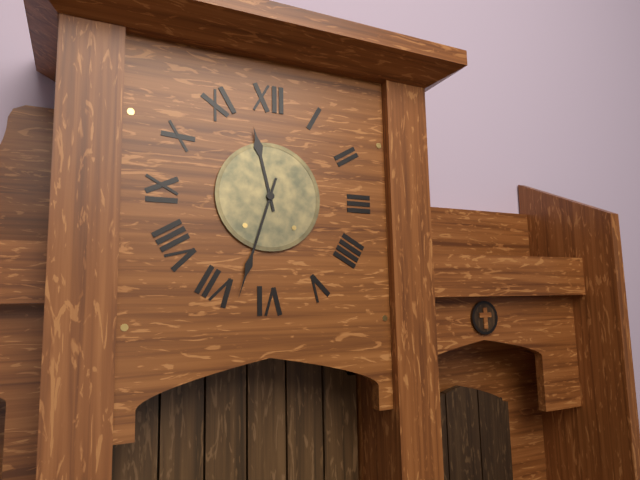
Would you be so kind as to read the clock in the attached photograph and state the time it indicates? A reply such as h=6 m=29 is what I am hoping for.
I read h=11 m=33
